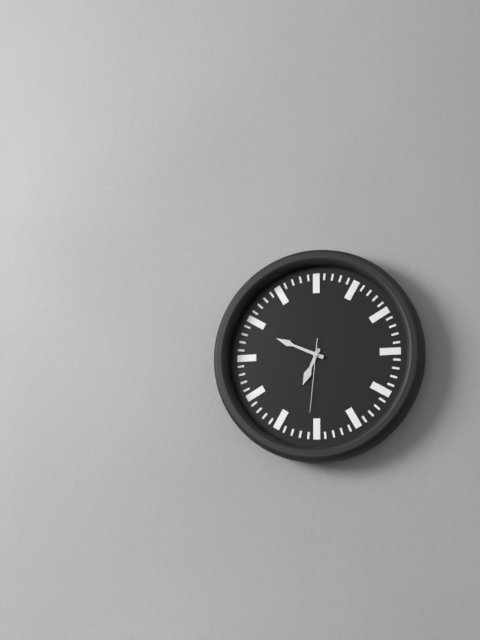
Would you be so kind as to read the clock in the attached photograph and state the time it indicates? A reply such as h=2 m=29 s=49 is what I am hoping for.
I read h=6 m=49 s=31
